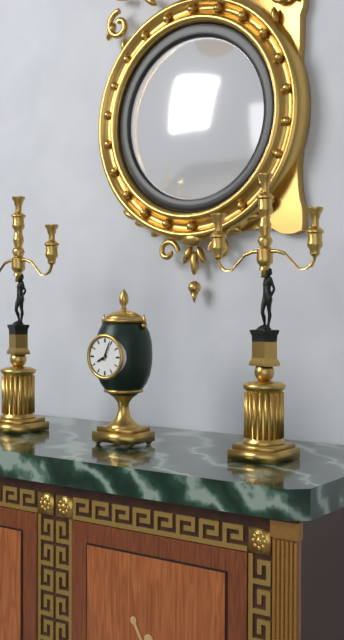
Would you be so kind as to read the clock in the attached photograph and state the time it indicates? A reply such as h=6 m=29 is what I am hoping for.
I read h=8 m=4
